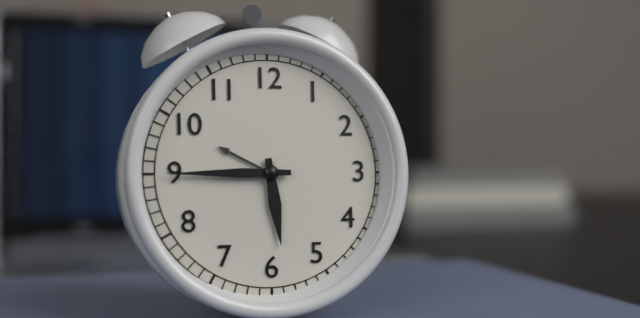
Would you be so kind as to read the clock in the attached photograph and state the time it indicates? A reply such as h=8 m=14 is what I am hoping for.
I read h=5 m=45
